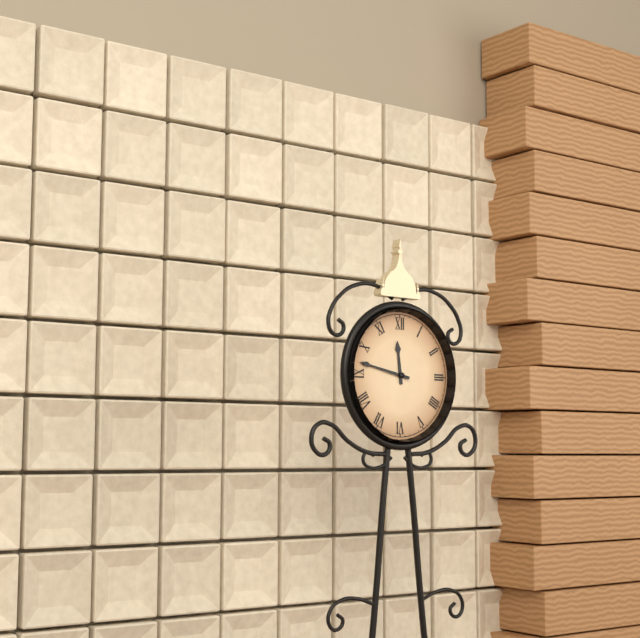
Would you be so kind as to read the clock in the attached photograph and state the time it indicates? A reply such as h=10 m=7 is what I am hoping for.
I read h=11 m=47
